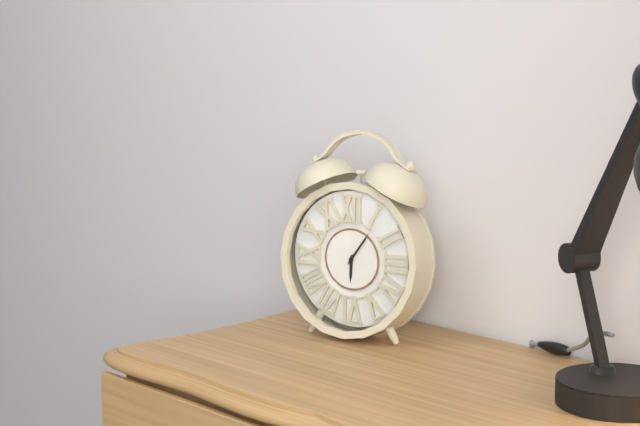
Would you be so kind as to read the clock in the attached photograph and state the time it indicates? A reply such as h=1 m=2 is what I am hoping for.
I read h=6 m=6
